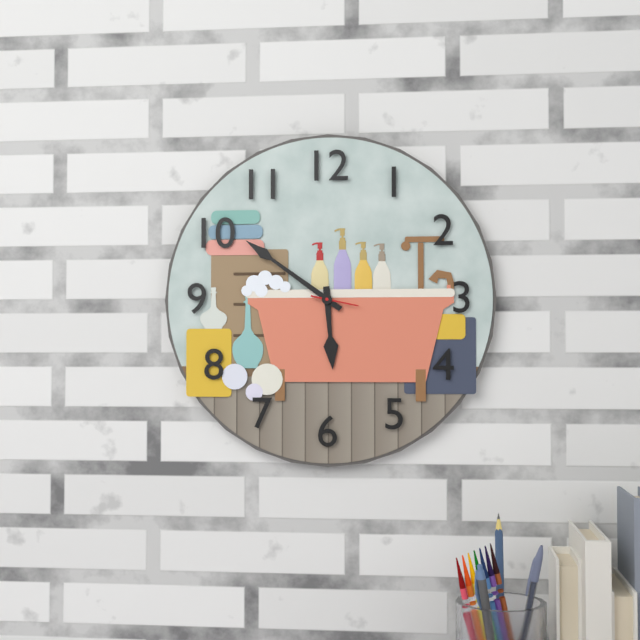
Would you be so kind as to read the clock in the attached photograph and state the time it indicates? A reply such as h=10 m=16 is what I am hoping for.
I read h=5 m=51
